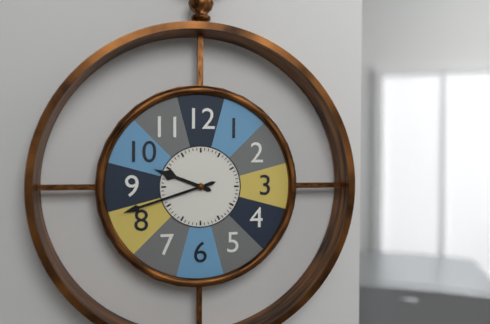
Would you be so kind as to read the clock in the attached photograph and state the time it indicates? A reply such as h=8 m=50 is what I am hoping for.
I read h=9 m=42
